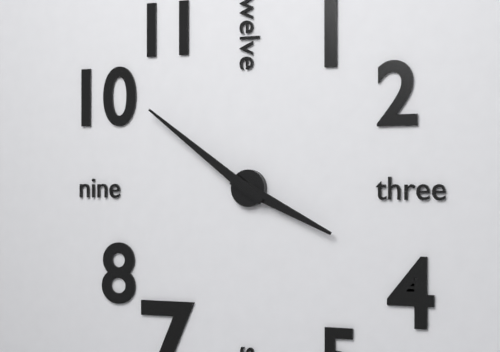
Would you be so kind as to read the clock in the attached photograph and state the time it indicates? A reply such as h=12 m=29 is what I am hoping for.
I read h=3 m=51
